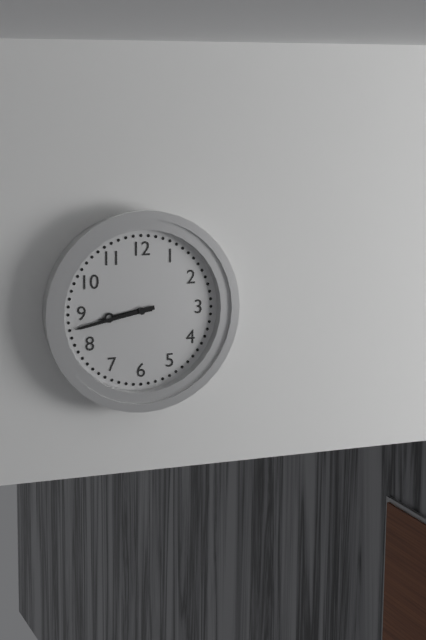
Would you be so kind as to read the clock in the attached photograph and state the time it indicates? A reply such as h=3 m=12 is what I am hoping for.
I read h=8 m=43
